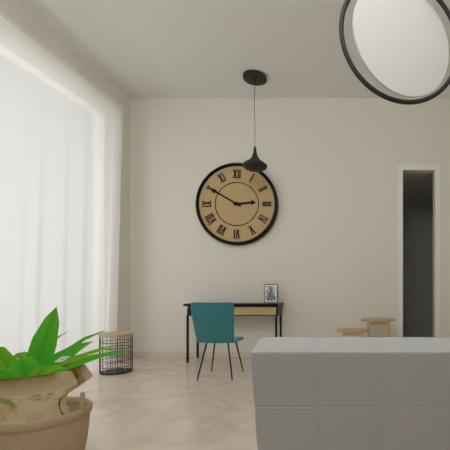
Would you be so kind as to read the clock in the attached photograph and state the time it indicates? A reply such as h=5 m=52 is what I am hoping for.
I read h=2 m=50
